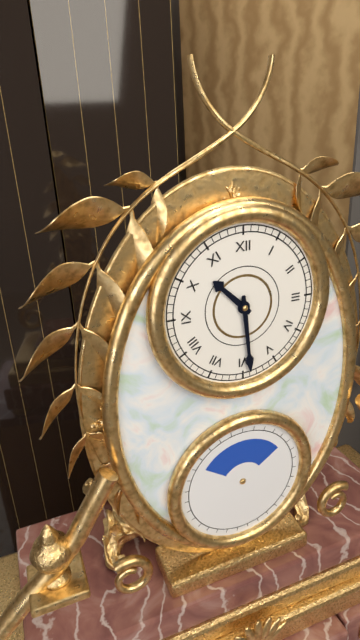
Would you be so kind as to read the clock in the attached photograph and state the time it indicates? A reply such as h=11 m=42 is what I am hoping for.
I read h=10 m=29
